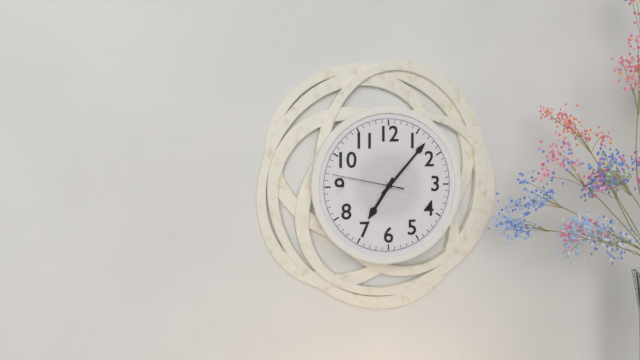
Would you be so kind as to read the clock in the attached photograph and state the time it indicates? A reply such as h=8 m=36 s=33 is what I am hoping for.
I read h=7 m=7 s=47
